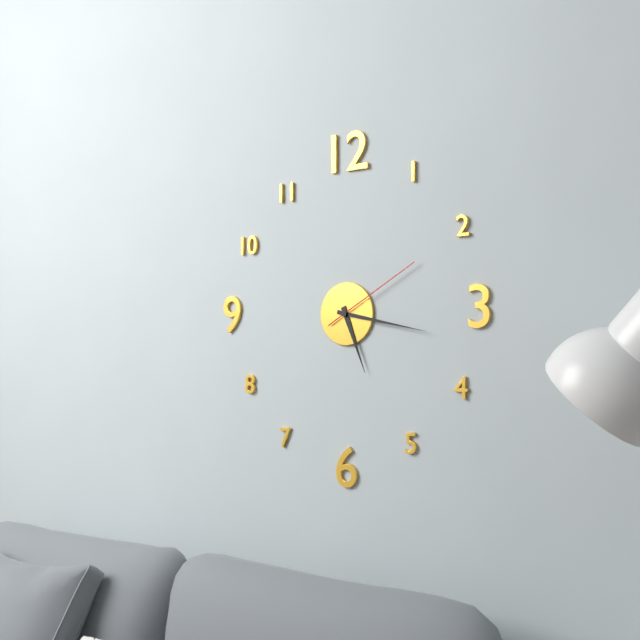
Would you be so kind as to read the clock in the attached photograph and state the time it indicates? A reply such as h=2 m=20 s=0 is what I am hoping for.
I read h=5 m=17 s=10
